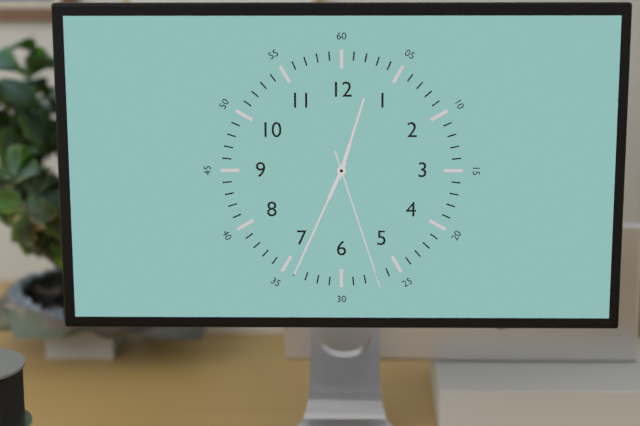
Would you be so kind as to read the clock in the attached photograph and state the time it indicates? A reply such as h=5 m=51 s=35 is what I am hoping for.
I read h=12 m=34 s=27
